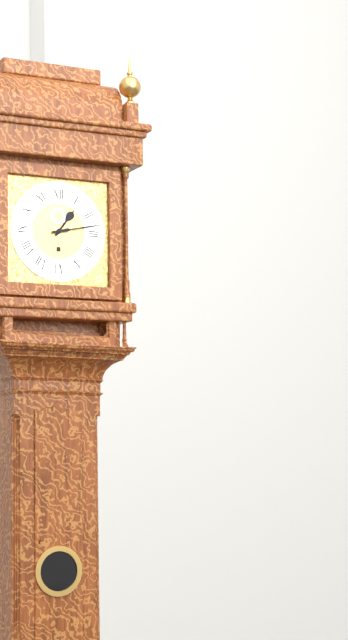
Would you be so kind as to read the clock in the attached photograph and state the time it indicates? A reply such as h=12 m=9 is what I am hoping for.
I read h=1 m=13
